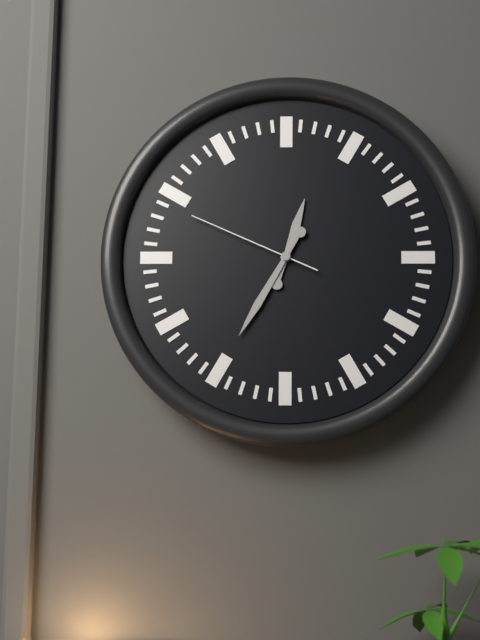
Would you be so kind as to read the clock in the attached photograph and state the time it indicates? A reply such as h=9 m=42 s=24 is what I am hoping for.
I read h=12 m=35 s=49
